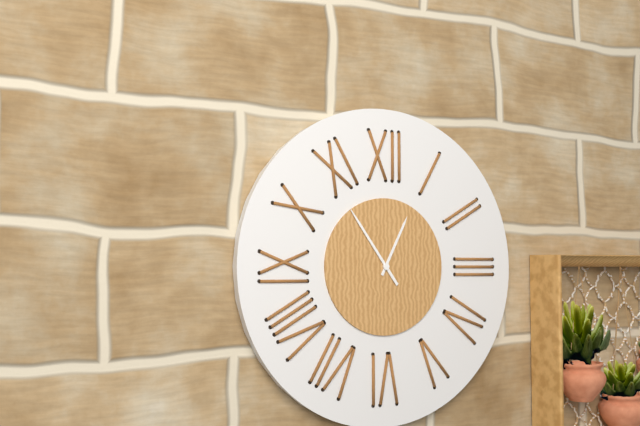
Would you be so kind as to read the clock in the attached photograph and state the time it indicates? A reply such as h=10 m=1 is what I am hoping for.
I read h=12 m=54
